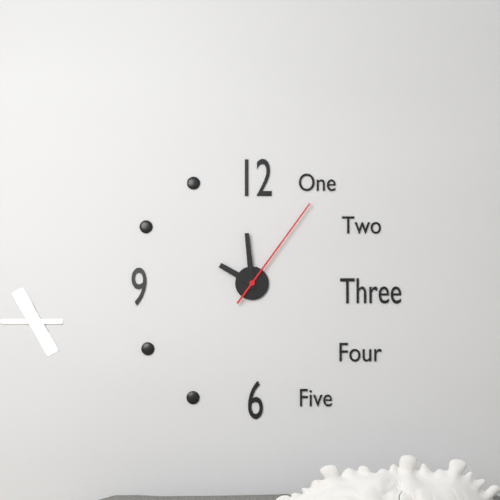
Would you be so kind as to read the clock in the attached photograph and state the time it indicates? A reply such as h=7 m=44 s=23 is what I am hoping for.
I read h=9 m=59 s=6
